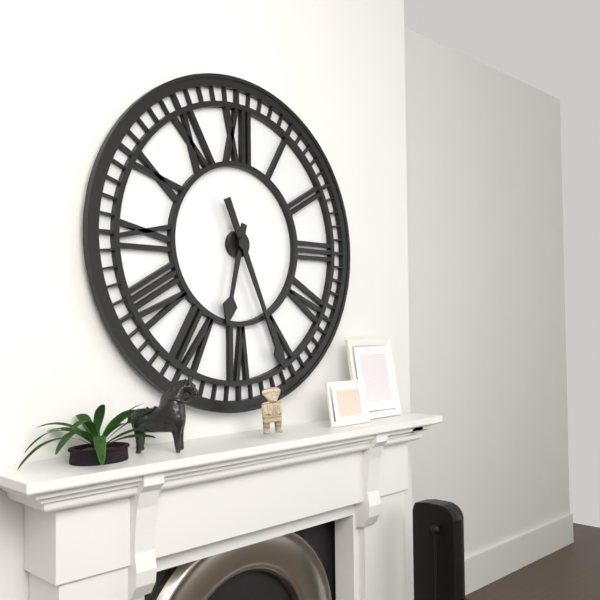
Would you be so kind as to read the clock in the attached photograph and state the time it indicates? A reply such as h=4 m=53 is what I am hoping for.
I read h=6 m=26
